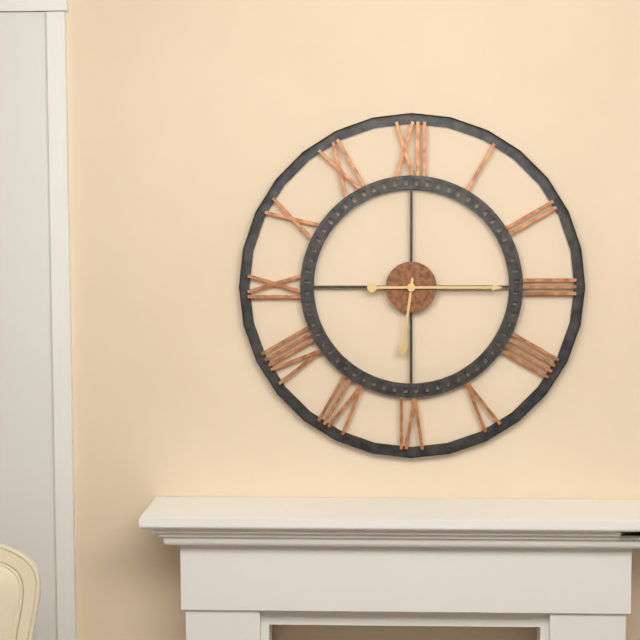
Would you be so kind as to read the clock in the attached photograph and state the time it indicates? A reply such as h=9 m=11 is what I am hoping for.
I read h=6 m=15
